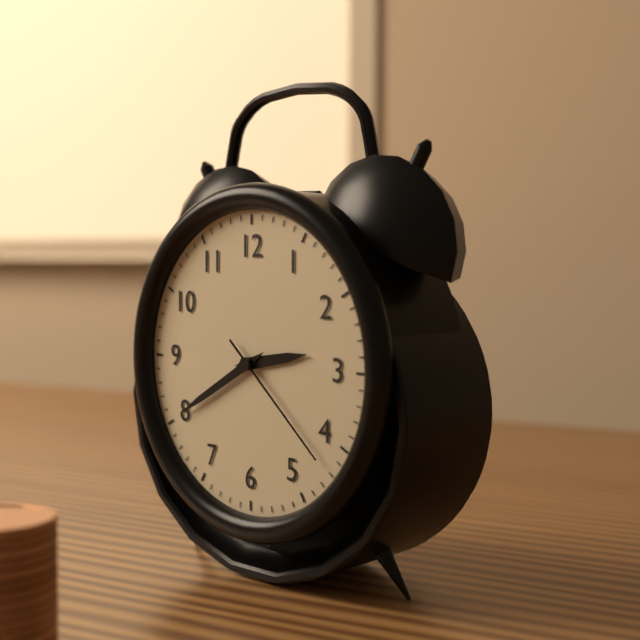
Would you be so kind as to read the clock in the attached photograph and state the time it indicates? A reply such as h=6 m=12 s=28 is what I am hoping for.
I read h=2 m=40 s=22
